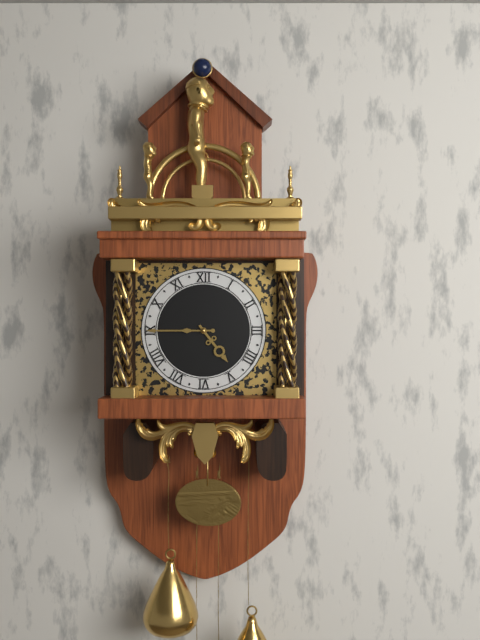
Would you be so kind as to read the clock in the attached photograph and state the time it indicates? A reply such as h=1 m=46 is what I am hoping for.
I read h=4 m=45
